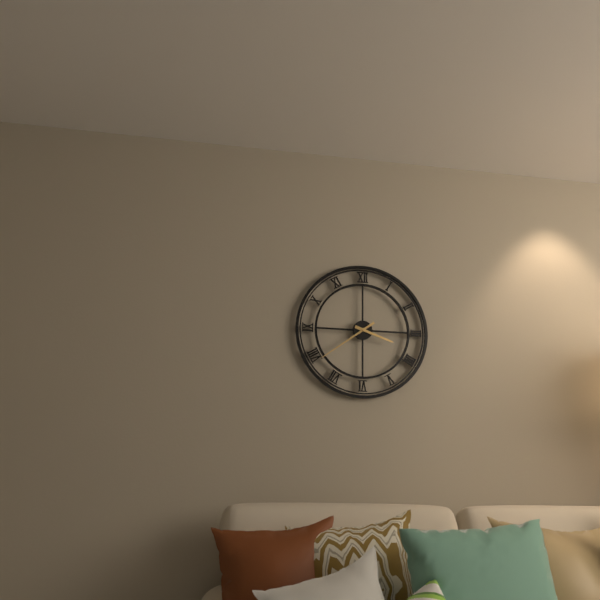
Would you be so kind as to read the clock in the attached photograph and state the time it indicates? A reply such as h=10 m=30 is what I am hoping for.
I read h=3 m=39
